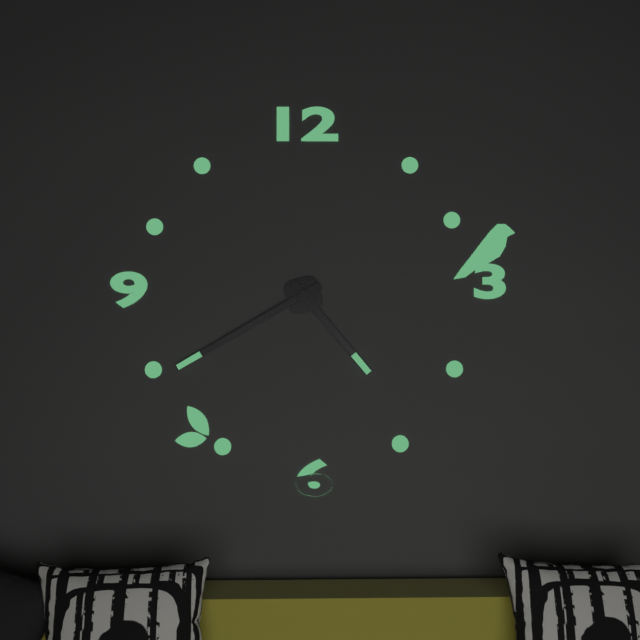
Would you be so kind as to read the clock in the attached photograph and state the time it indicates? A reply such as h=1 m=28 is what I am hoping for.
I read h=4 m=40
